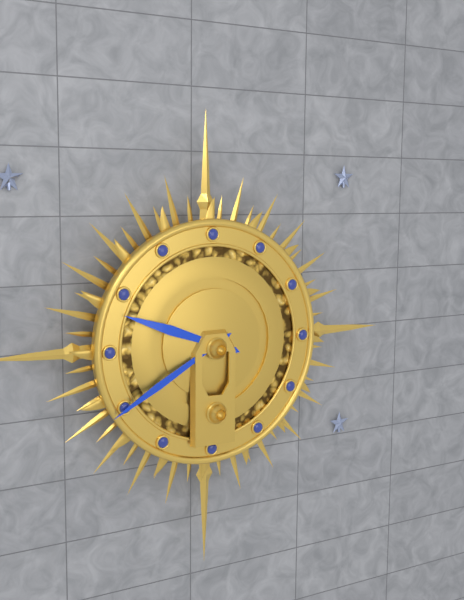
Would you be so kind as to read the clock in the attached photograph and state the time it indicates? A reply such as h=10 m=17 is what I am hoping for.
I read h=9 m=40
